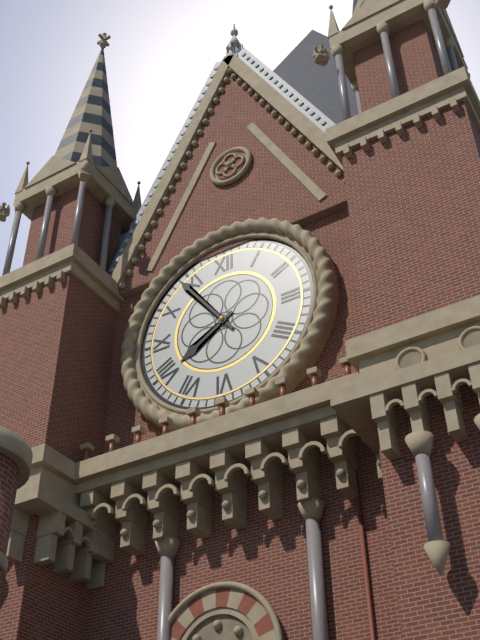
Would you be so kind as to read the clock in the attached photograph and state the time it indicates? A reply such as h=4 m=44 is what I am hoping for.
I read h=7 m=54
